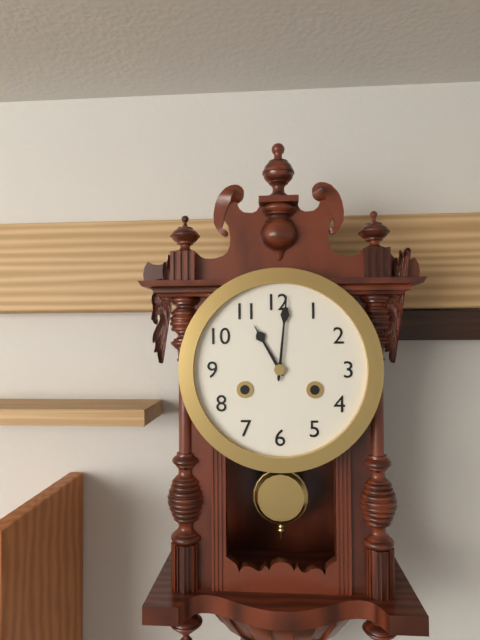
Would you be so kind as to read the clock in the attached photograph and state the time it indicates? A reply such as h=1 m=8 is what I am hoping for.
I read h=11 m=1
